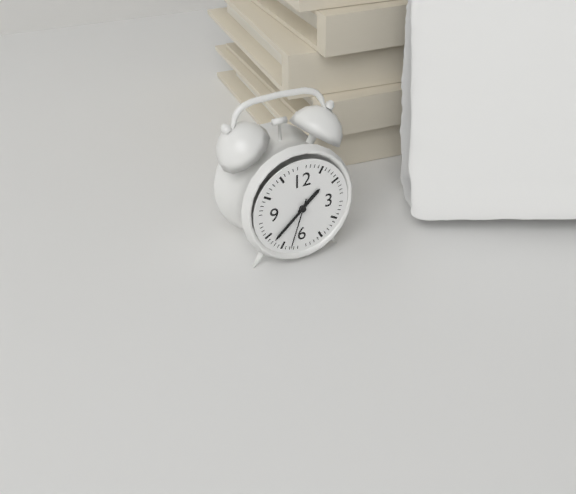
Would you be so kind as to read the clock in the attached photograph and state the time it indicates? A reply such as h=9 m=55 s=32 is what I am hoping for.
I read h=1 m=38 s=33
